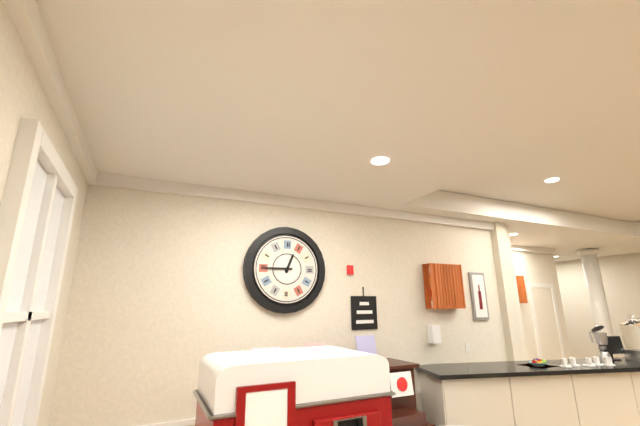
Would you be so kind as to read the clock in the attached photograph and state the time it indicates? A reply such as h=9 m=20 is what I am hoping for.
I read h=12 m=45
